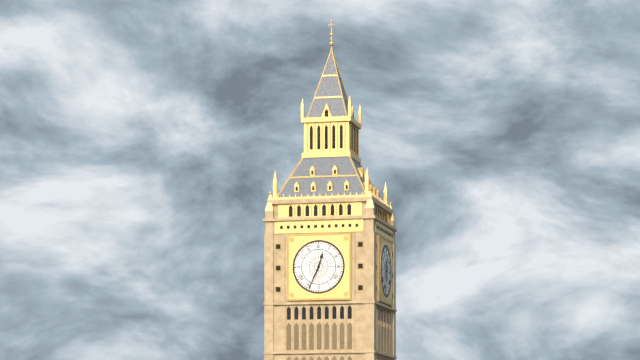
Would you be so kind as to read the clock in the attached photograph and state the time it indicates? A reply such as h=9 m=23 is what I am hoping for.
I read h=12 m=34
